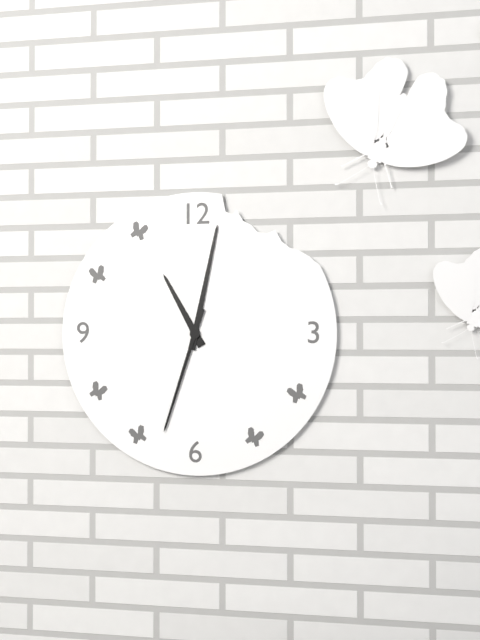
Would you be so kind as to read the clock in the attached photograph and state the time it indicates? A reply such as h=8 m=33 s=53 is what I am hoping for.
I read h=11 m=2 s=33
